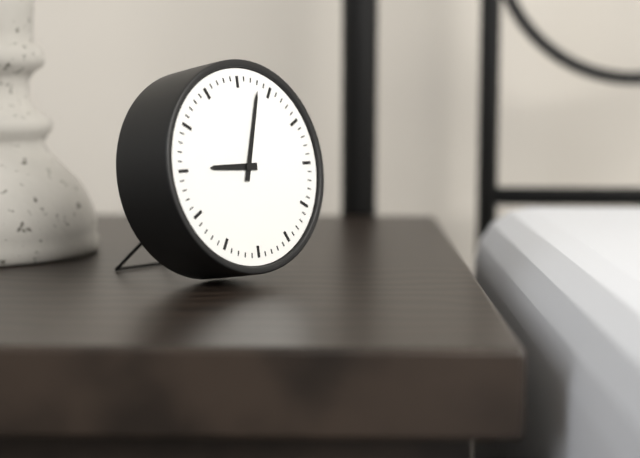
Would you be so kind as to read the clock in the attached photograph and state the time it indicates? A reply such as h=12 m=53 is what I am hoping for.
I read h=9 m=3
